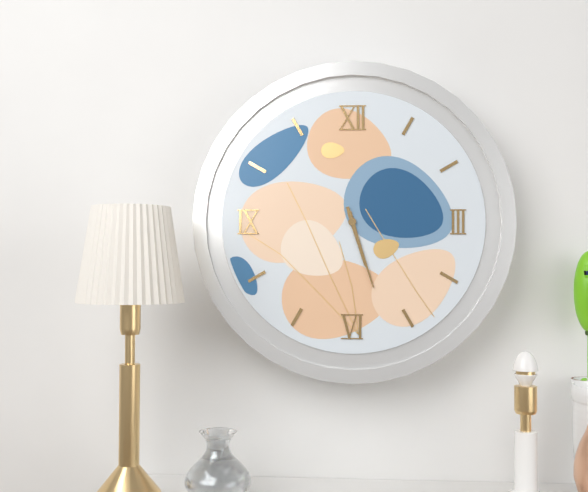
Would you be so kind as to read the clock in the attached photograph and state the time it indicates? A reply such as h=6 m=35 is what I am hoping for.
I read h=5 m=27
